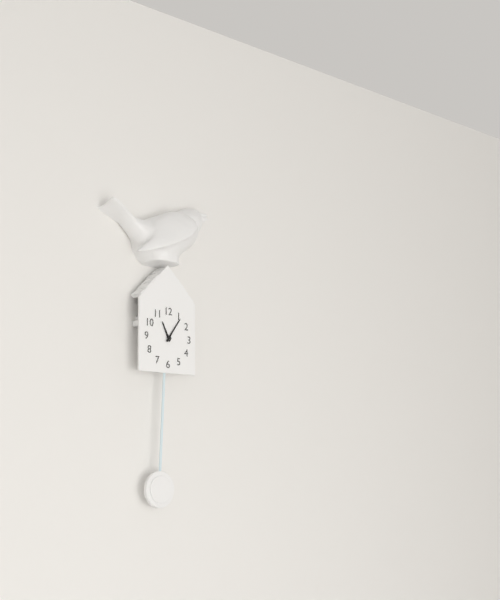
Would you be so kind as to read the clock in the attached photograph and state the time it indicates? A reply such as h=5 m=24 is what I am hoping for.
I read h=11 m=6
